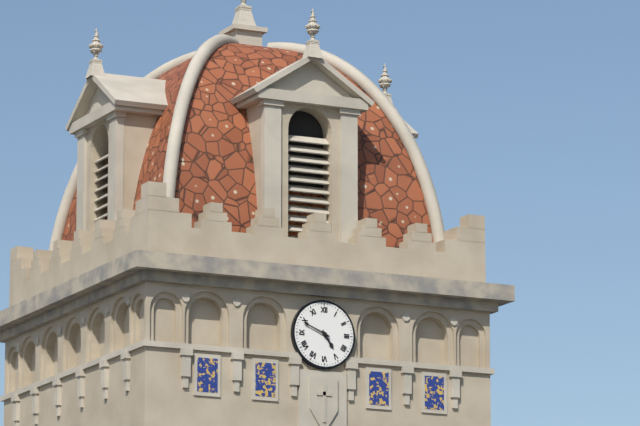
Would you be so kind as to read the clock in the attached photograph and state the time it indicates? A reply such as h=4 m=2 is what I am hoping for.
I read h=4 m=49
